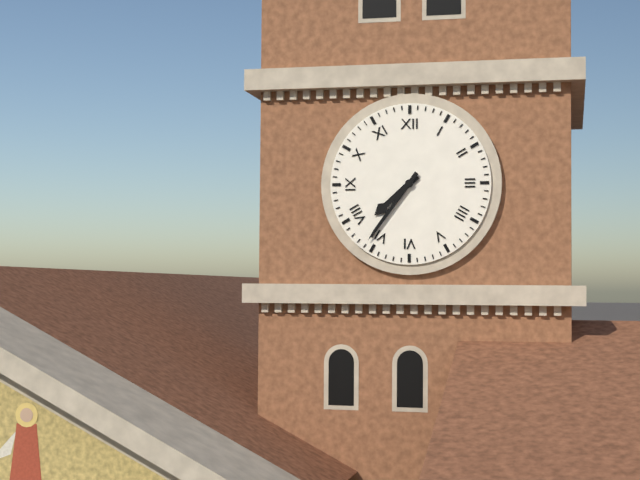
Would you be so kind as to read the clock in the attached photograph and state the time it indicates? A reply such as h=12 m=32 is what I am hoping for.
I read h=7 m=36
